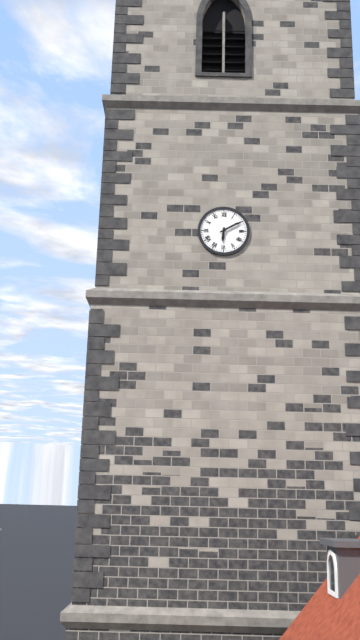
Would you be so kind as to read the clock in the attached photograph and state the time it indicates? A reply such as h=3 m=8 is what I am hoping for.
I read h=6 m=10
